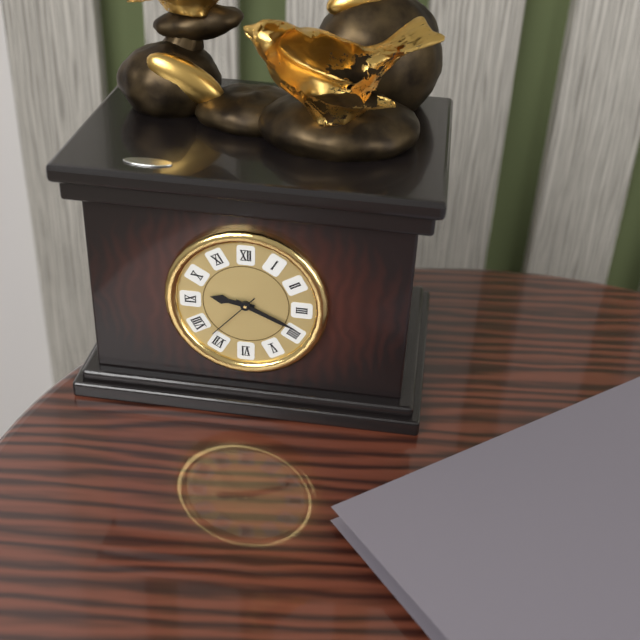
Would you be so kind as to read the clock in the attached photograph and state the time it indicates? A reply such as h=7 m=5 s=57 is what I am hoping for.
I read h=9 m=19 s=37
